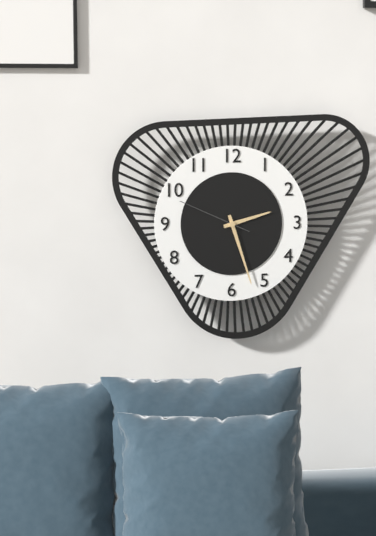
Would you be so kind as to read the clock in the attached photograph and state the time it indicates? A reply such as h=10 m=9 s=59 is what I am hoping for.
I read h=2 m=27 s=49
